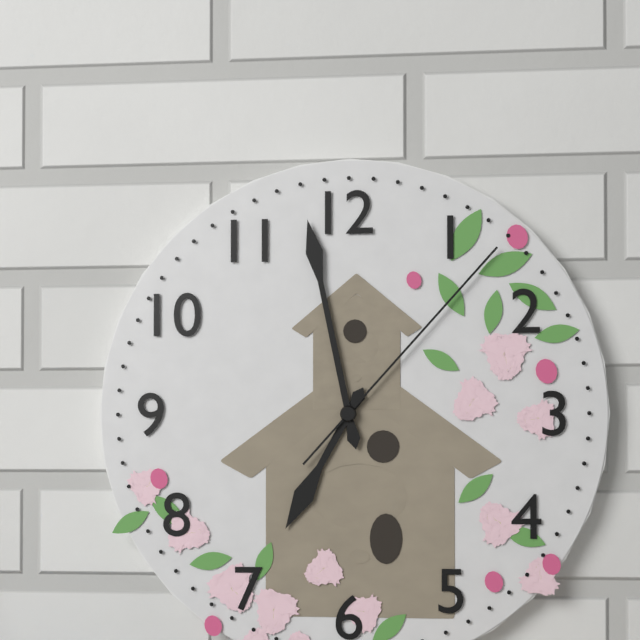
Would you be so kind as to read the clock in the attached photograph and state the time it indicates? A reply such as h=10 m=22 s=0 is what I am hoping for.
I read h=6 m=58 s=7
